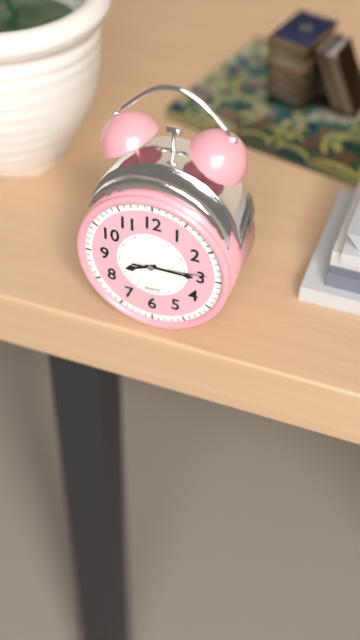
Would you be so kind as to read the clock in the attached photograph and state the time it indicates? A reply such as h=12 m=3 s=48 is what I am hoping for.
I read h=8 m=15 s=14
